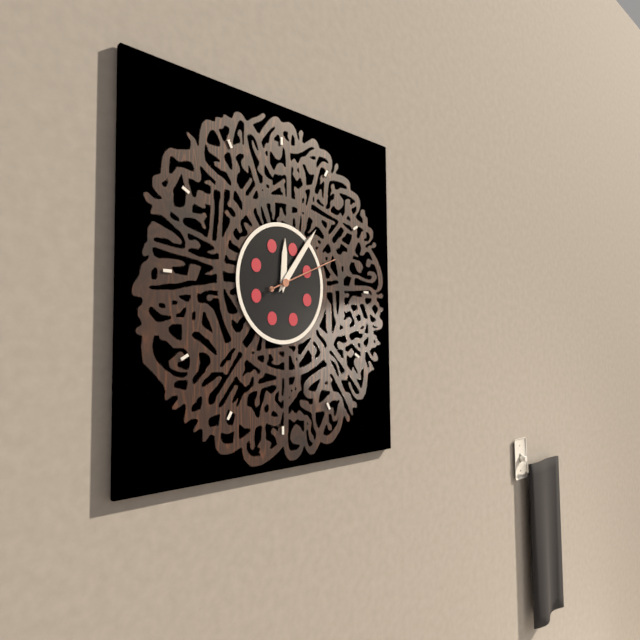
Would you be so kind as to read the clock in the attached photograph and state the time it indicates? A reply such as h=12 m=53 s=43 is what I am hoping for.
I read h=12 m=6 s=11
